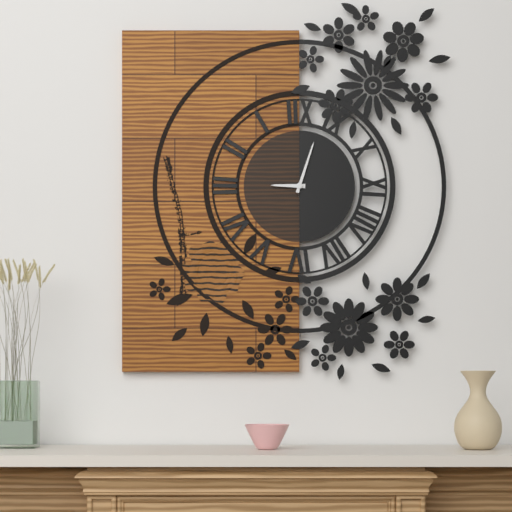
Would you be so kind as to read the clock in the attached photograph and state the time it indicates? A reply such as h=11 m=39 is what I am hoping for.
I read h=9 m=3
